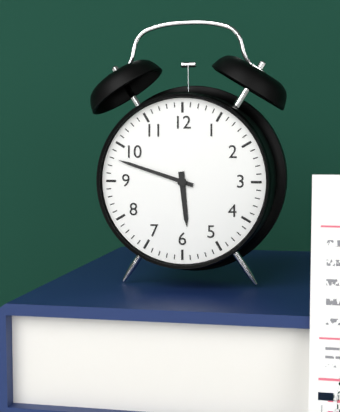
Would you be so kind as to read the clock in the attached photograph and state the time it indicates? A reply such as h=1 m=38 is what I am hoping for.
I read h=5 m=48
